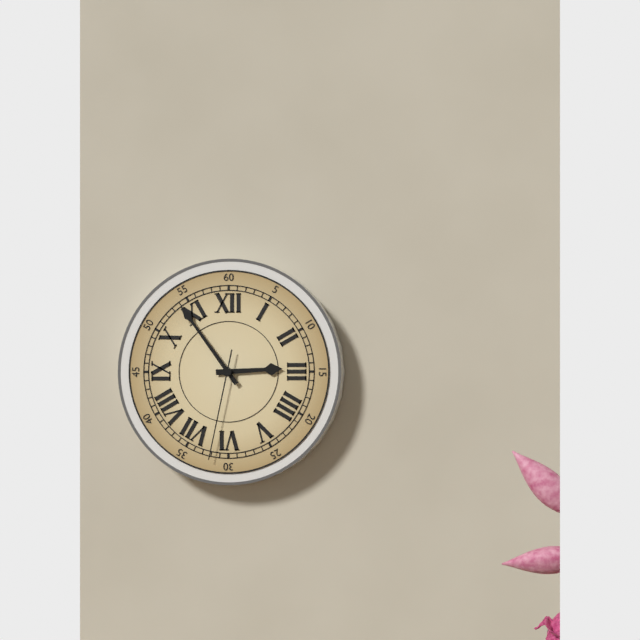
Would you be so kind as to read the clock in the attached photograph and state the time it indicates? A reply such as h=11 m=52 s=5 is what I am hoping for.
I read h=2 m=54 s=32
